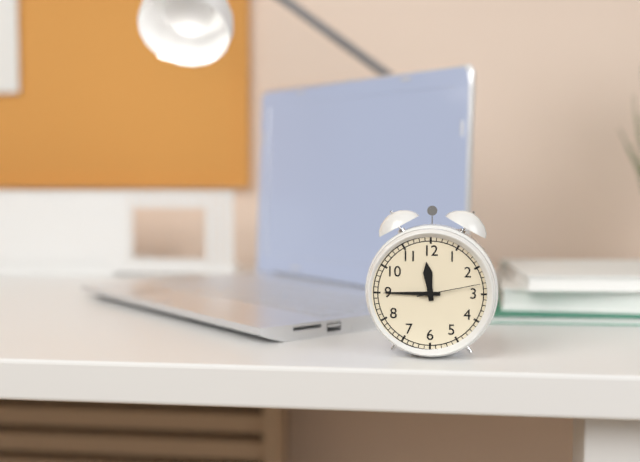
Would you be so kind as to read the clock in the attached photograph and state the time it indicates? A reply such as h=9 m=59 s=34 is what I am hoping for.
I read h=11 m=45 s=13
